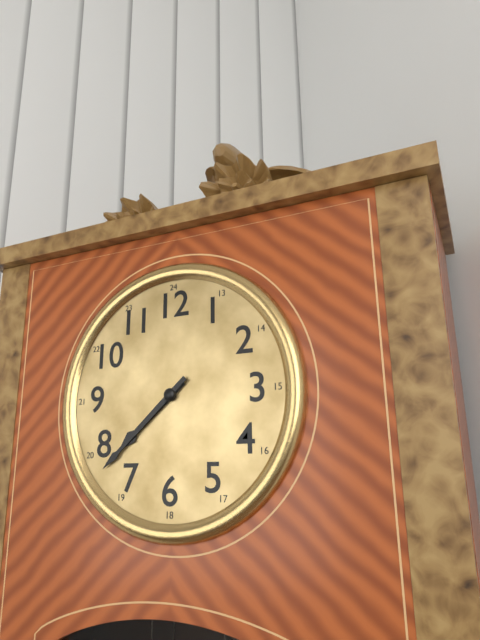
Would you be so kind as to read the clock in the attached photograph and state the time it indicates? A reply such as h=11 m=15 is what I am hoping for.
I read h=7 m=38
